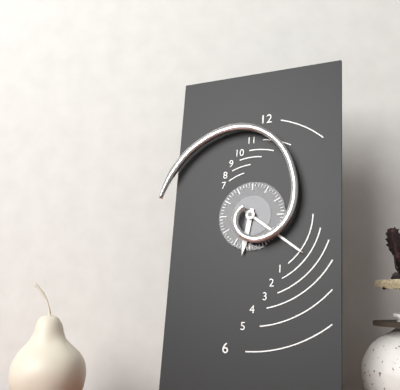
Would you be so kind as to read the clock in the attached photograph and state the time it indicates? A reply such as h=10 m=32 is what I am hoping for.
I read h=6 m=21
